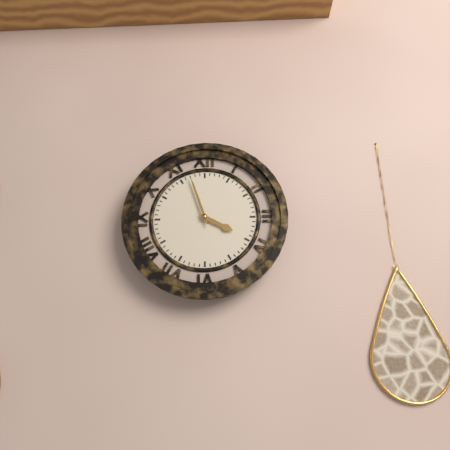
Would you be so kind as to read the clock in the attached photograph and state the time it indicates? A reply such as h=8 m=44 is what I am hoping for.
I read h=3 m=57
